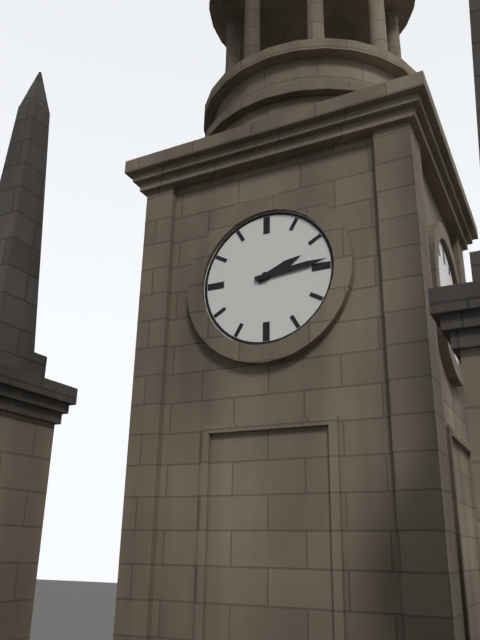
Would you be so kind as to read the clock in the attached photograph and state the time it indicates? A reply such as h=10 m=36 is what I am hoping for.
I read h=2 m=14
